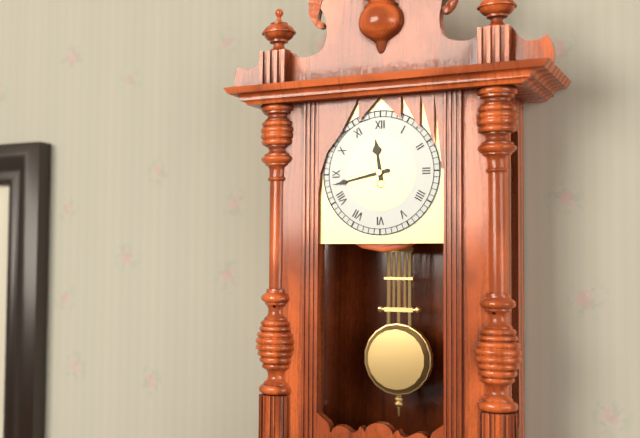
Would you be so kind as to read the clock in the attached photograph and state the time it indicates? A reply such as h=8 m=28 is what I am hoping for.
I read h=11 m=43
